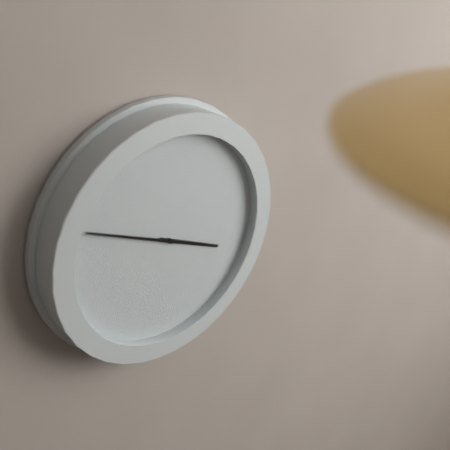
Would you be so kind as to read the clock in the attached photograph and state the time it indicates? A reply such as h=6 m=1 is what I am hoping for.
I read h=3 m=49
